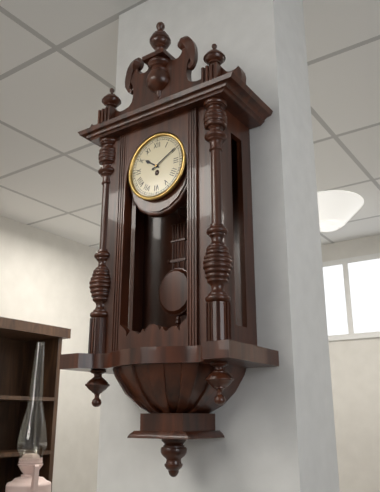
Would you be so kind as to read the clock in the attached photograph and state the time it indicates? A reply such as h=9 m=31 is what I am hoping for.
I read h=10 m=10
